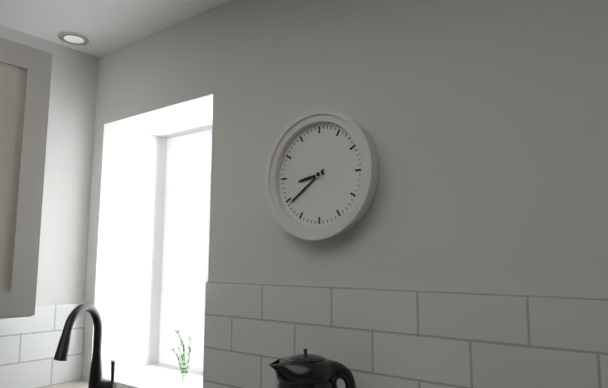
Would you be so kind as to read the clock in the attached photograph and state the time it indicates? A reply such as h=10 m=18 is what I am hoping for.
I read h=8 m=39
